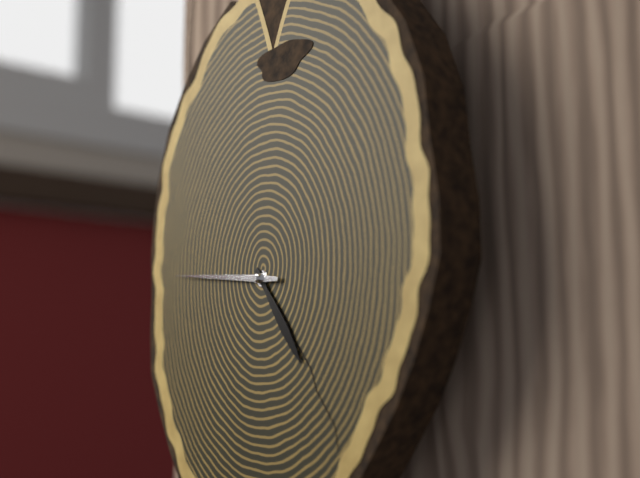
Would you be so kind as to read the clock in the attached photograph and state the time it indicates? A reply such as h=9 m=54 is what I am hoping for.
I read h=4 m=46
